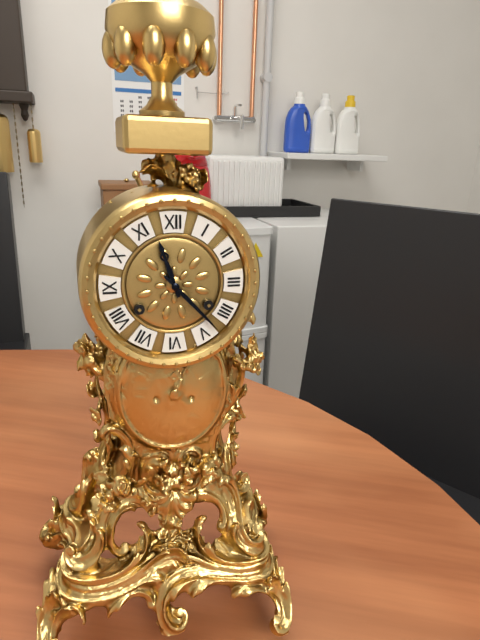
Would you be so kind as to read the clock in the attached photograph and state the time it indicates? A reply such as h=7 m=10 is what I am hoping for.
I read h=11 m=23
